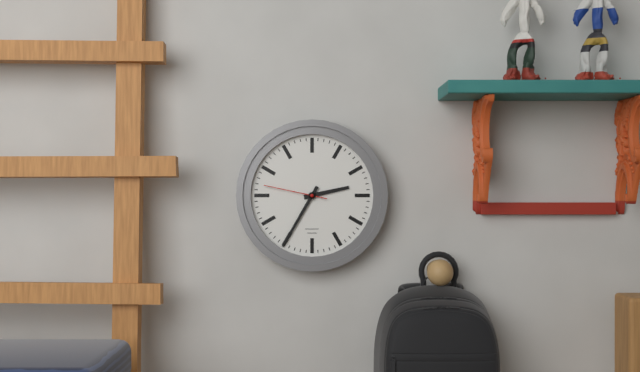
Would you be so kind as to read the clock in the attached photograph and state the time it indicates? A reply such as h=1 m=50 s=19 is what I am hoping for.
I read h=2 m=35 s=47
